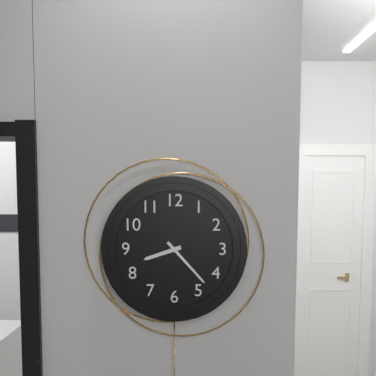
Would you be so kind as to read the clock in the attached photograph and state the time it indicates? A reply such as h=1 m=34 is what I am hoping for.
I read h=8 m=23
